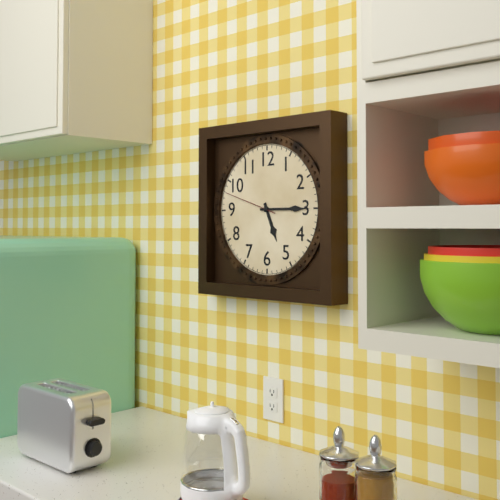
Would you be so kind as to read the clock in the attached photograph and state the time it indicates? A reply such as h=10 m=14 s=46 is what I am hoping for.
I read h=5 m=15 s=48
